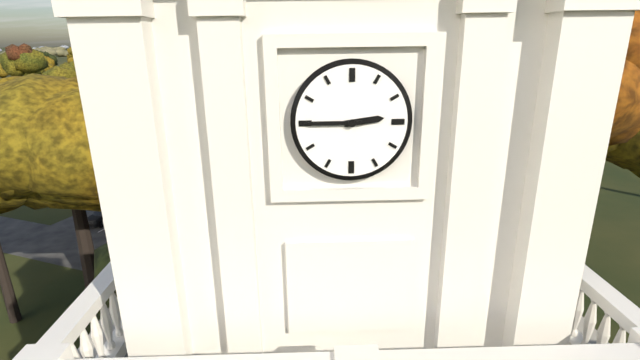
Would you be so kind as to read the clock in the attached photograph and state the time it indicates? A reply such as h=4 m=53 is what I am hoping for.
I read h=2 m=45
